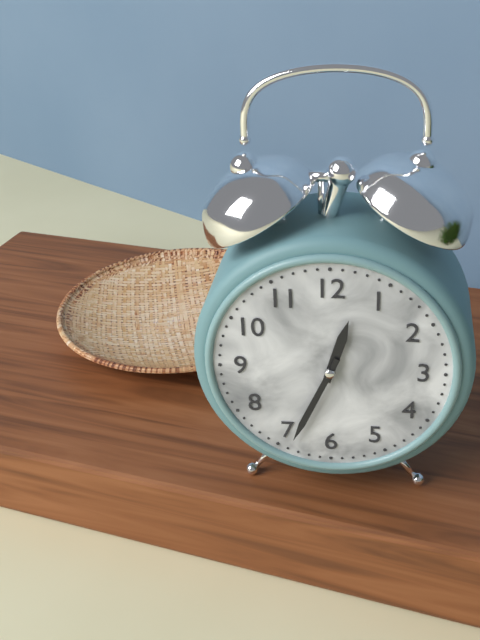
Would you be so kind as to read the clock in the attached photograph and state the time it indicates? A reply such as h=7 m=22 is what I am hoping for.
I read h=12 m=34
